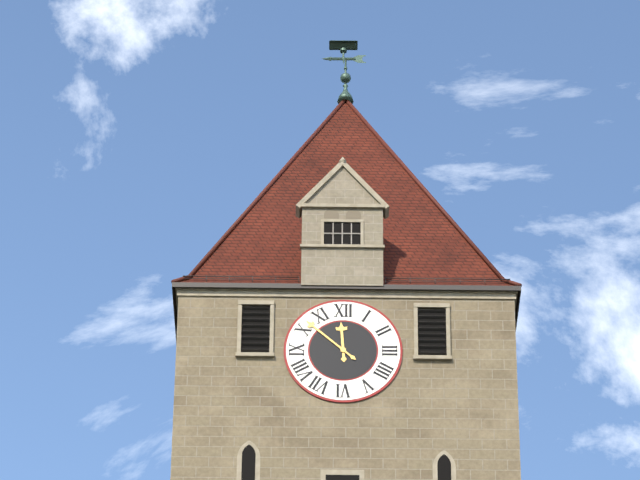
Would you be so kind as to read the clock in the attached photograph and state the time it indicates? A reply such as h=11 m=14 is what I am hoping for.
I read h=11 m=52
